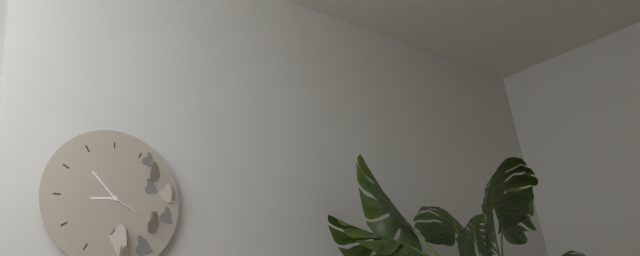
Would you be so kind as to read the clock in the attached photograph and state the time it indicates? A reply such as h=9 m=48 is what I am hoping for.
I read h=8 m=53
